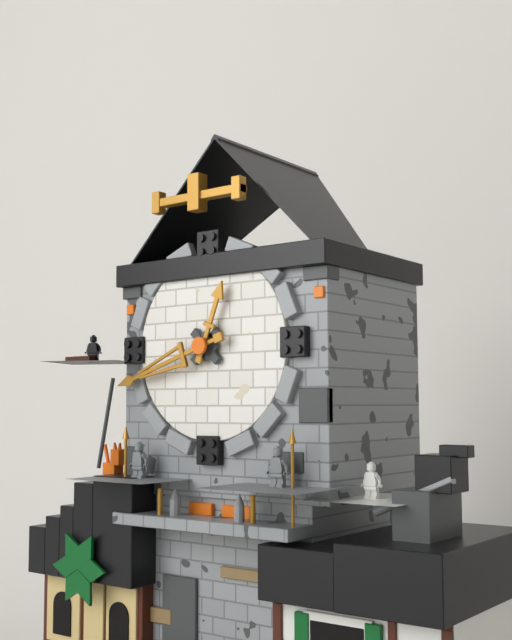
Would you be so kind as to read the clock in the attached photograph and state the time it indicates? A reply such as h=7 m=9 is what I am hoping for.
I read h=12 m=42
